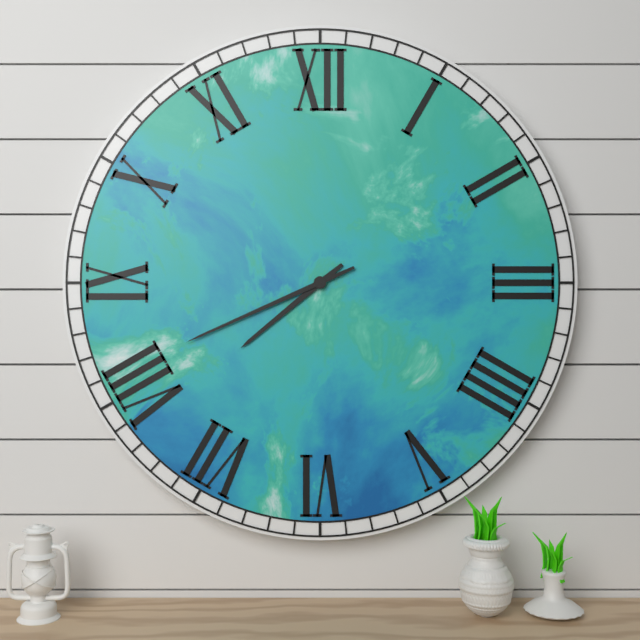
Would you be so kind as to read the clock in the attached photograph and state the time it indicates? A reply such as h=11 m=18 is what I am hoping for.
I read h=7 m=41
